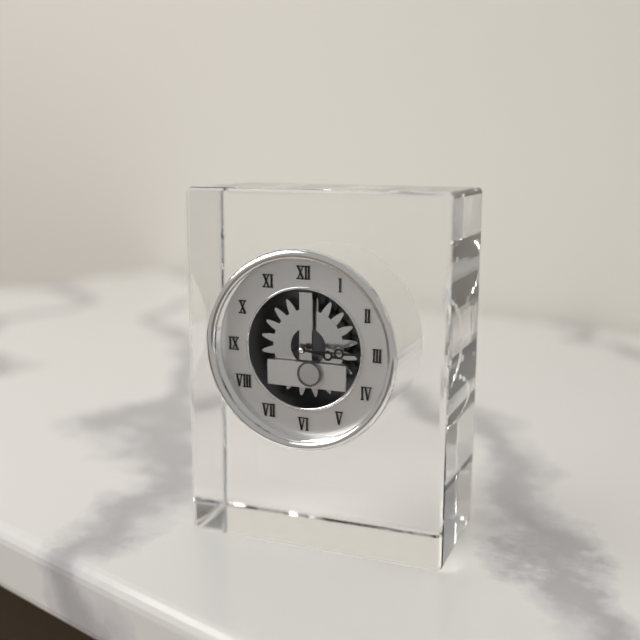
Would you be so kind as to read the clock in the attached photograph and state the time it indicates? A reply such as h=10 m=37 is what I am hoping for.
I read h=3 m=15
